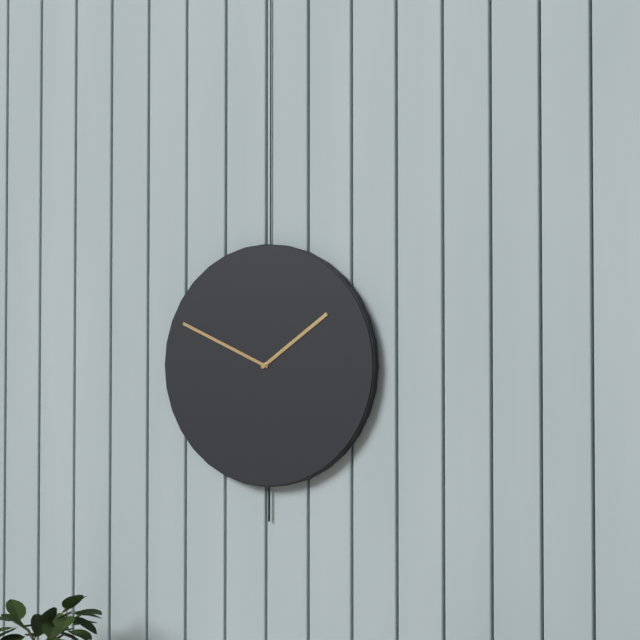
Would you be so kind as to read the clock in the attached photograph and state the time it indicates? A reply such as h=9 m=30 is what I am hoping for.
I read h=1 m=49
